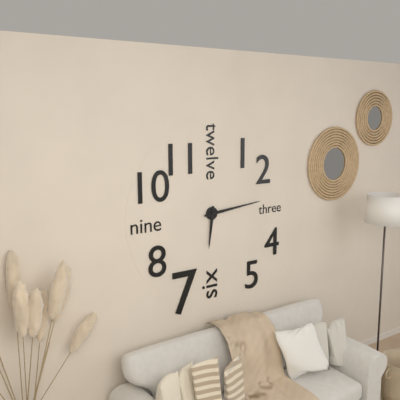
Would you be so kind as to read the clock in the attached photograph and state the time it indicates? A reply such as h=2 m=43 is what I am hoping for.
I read h=6 m=14
